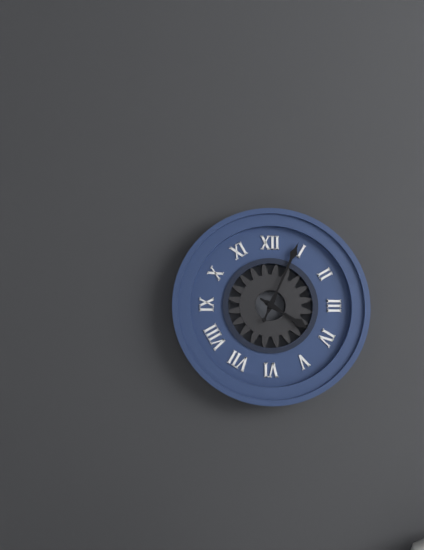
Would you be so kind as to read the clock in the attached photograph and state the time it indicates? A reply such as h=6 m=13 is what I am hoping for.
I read h=4 m=4
